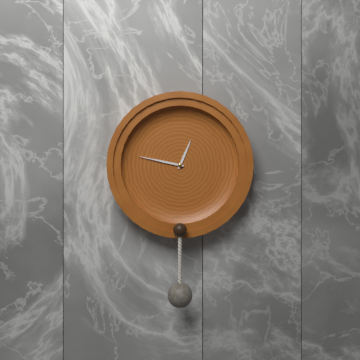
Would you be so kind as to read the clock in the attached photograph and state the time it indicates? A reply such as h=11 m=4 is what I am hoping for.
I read h=12 m=47
